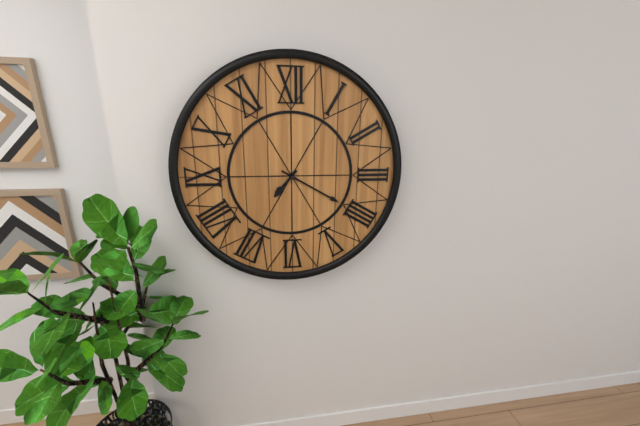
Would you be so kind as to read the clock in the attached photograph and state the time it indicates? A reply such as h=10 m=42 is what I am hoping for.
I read h=7 m=20
